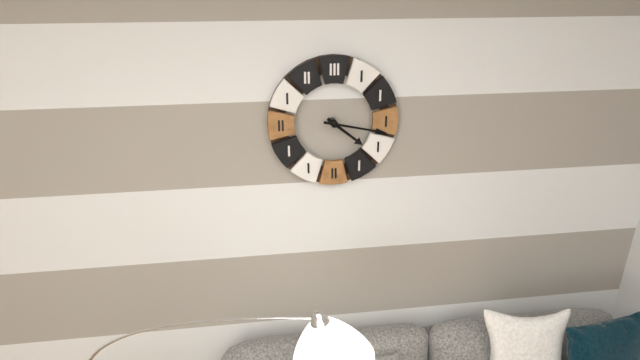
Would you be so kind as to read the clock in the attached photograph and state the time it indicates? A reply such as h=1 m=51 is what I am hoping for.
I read h=4 m=17
